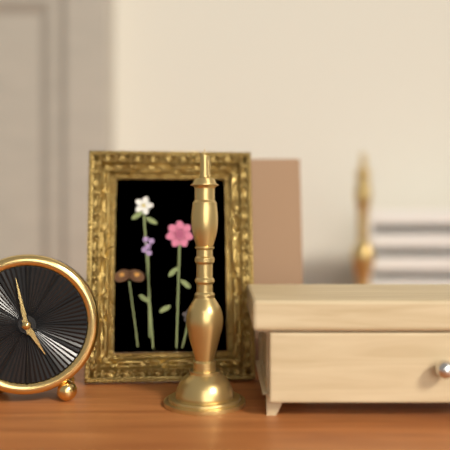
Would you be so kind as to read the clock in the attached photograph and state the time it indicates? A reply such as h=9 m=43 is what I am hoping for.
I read h=4 m=58
